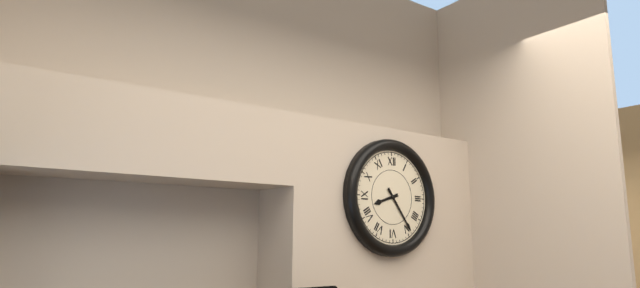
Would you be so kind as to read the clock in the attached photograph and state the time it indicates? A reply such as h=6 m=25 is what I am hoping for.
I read h=8 m=24
